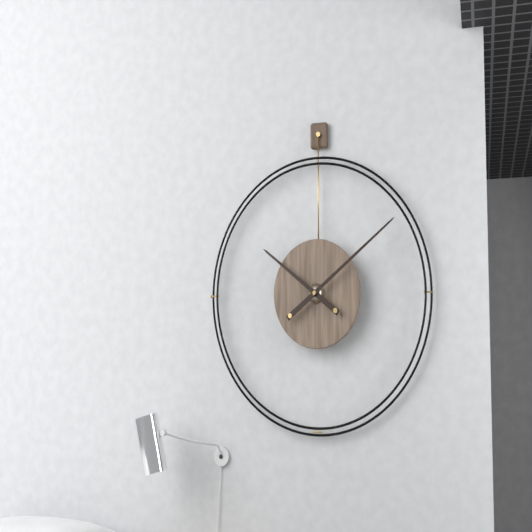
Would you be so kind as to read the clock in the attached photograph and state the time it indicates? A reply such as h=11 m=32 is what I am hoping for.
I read h=10 m=9
